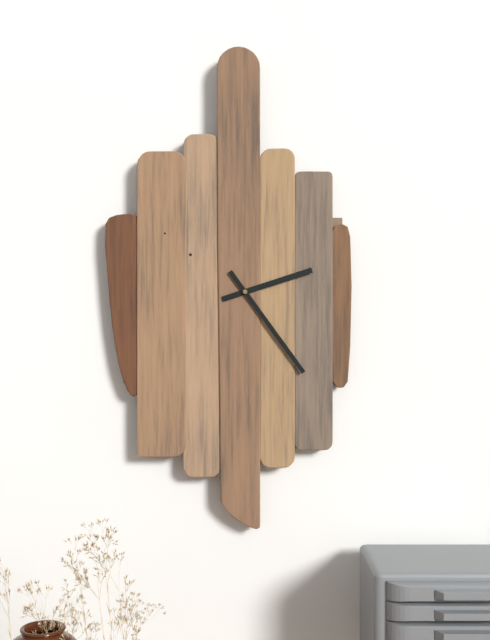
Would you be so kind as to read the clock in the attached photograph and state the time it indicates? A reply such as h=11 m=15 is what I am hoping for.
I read h=2 m=24
